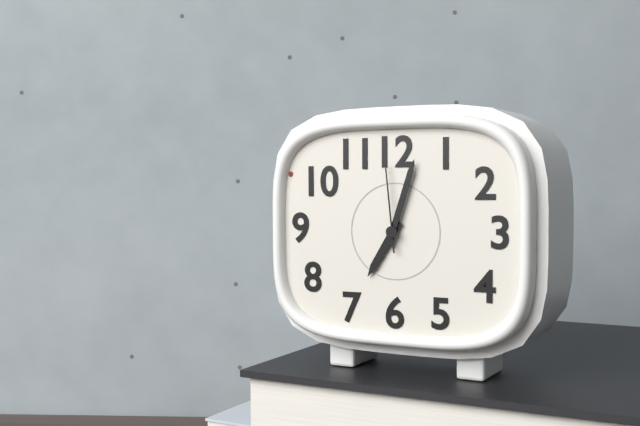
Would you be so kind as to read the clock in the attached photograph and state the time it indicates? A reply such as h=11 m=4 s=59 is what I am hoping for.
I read h=7 m=3 s=59
